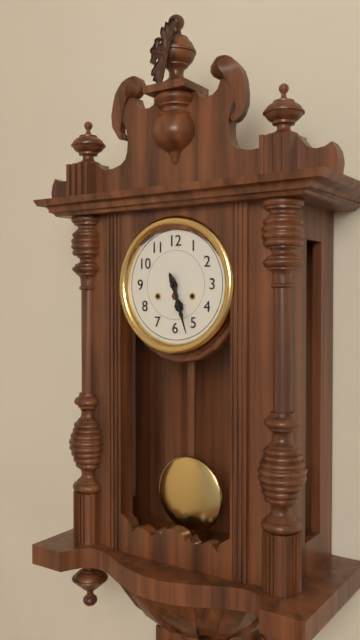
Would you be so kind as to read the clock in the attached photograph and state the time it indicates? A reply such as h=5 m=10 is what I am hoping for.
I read h=5 m=27
